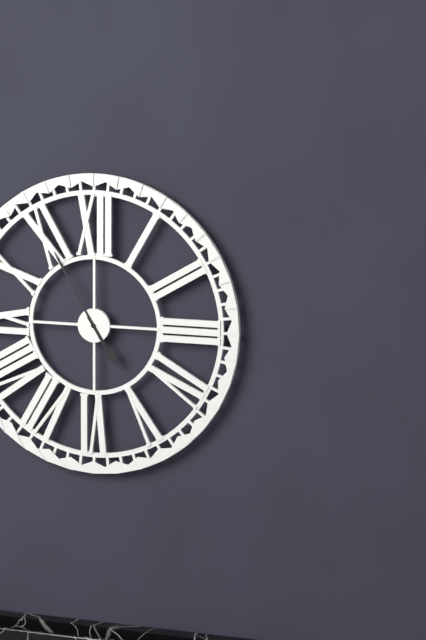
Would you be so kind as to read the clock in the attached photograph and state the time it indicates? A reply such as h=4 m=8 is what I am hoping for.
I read h=4 m=55
